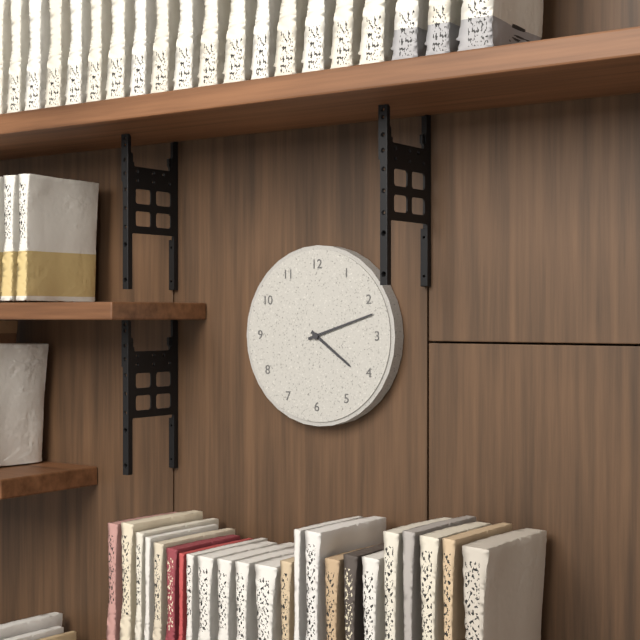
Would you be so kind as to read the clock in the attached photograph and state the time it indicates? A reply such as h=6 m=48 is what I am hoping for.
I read h=4 m=12
